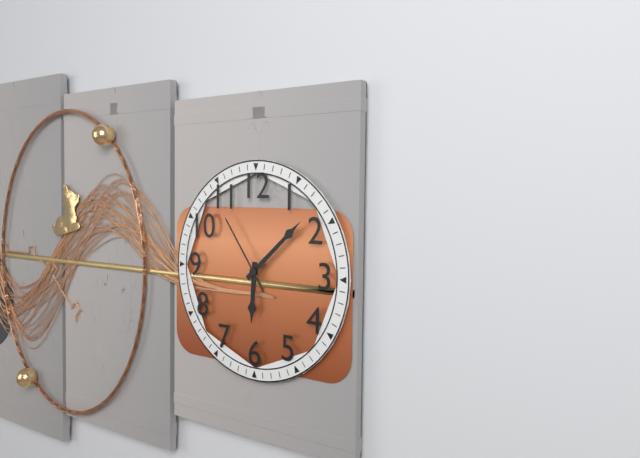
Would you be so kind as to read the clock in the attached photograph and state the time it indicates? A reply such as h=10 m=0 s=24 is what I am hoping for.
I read h=6 m=8 s=54
